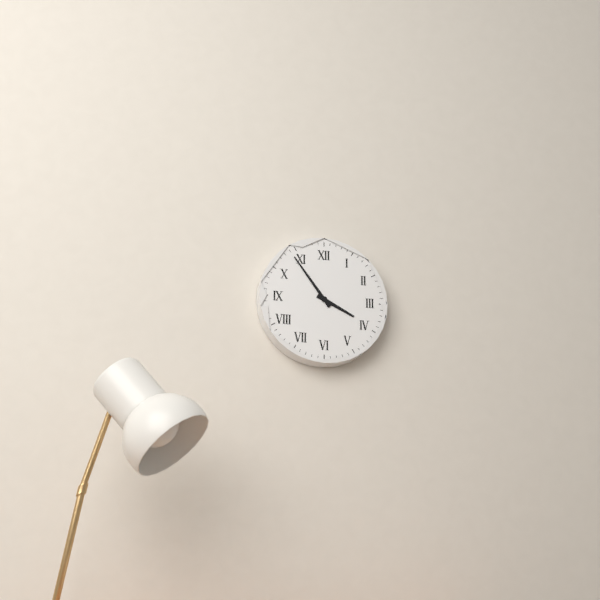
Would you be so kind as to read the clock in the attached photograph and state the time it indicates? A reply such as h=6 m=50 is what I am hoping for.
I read h=3 m=54
